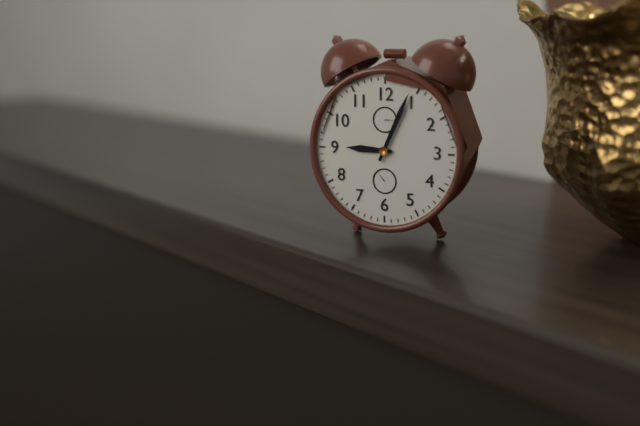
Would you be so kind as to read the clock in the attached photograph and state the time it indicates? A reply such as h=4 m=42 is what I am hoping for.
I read h=9 m=4
